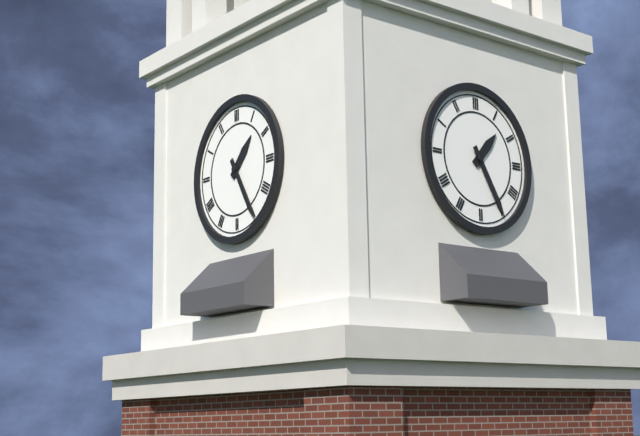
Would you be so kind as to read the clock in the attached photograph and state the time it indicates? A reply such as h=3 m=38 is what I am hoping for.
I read h=1 m=25
